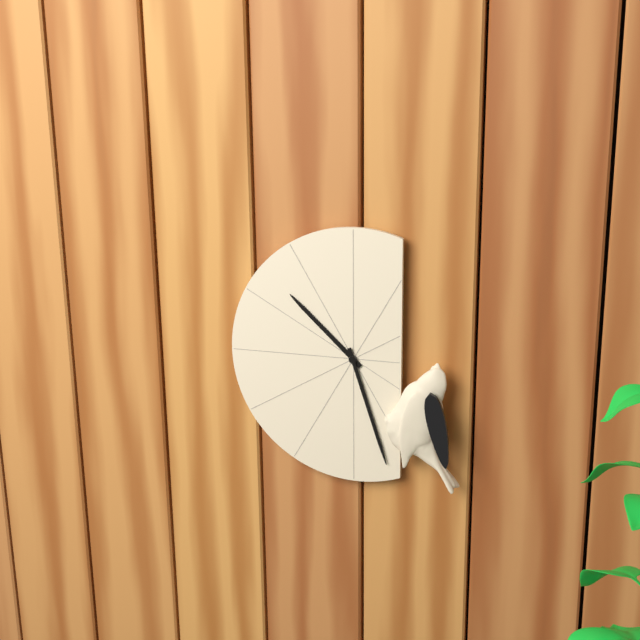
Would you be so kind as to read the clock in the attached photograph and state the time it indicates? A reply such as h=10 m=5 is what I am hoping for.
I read h=10 m=27
